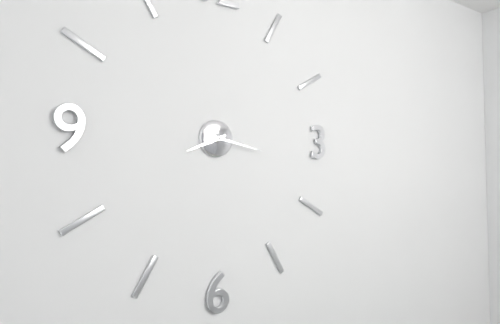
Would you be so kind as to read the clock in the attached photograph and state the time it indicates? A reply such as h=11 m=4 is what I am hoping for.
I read h=8 m=17
